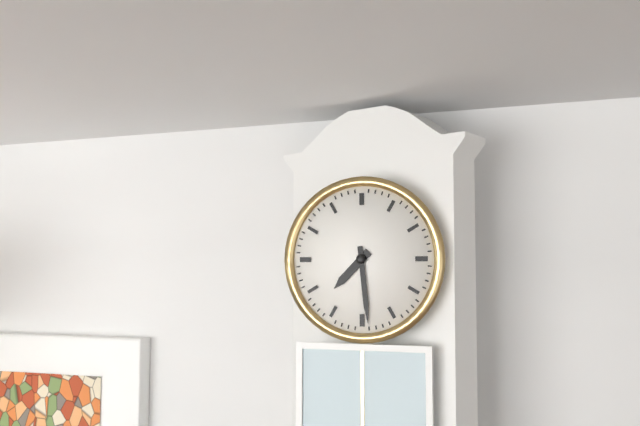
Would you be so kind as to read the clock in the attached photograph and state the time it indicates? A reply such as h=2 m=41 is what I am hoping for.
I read h=7 m=29
